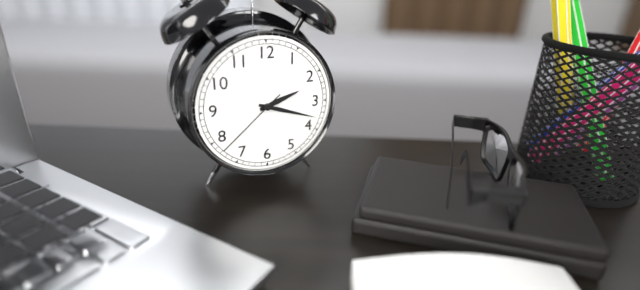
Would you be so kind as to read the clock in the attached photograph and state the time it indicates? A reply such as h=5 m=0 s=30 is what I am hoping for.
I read h=2 m=18 s=38
